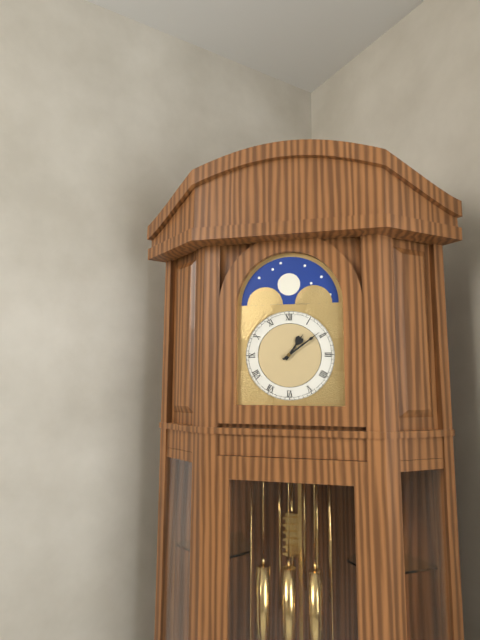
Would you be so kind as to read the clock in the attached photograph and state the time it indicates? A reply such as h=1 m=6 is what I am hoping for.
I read h=1 m=9
